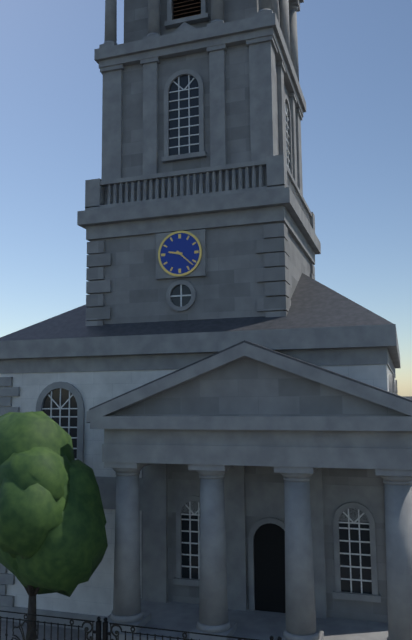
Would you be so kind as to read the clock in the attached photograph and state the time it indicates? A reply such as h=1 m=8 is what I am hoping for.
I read h=9 m=22
